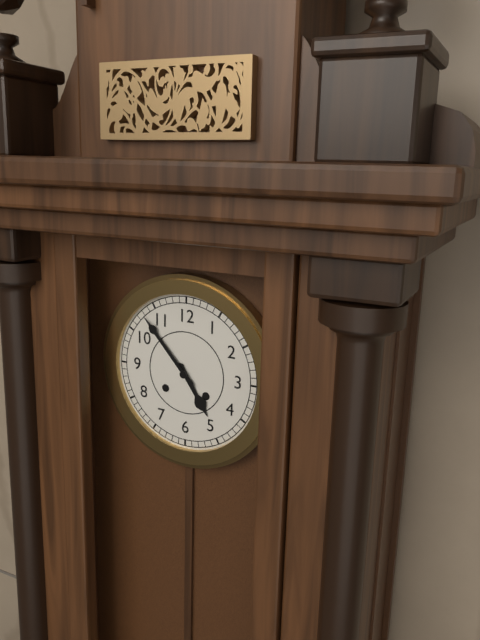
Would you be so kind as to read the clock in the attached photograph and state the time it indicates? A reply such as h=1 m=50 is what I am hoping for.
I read h=4 m=53
